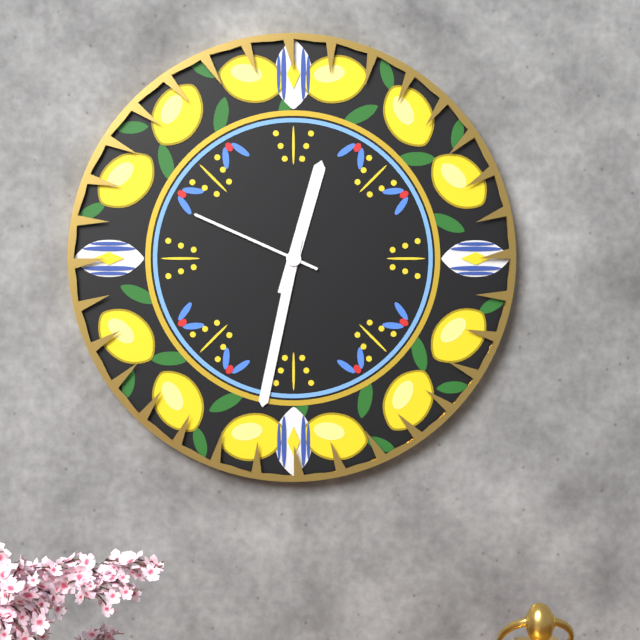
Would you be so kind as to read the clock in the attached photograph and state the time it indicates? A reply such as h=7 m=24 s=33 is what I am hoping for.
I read h=12 m=32 s=49
